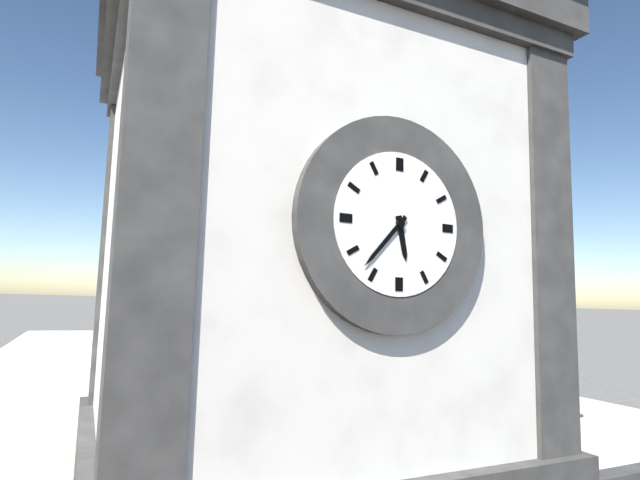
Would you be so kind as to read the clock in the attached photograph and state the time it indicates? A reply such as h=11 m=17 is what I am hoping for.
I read h=5 m=37
